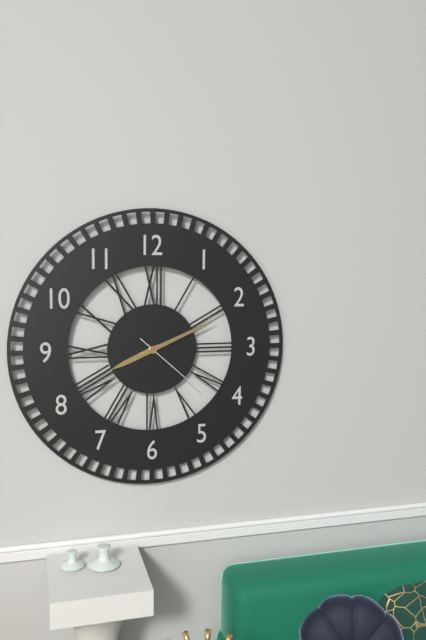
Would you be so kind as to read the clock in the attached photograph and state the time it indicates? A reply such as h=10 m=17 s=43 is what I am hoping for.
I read h=8 m=11 s=22
